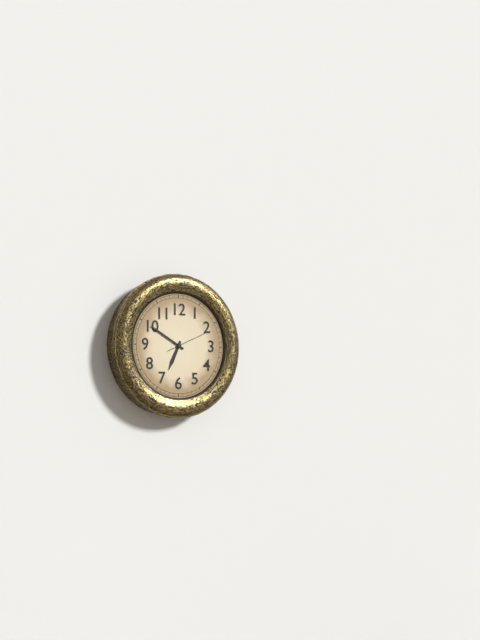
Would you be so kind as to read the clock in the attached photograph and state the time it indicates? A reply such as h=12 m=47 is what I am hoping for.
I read h=6 m=50
